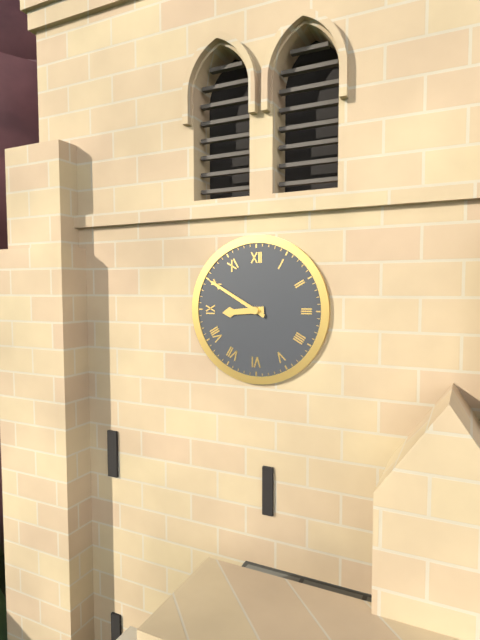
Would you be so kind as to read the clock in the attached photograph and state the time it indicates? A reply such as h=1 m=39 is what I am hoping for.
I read h=8 m=50
